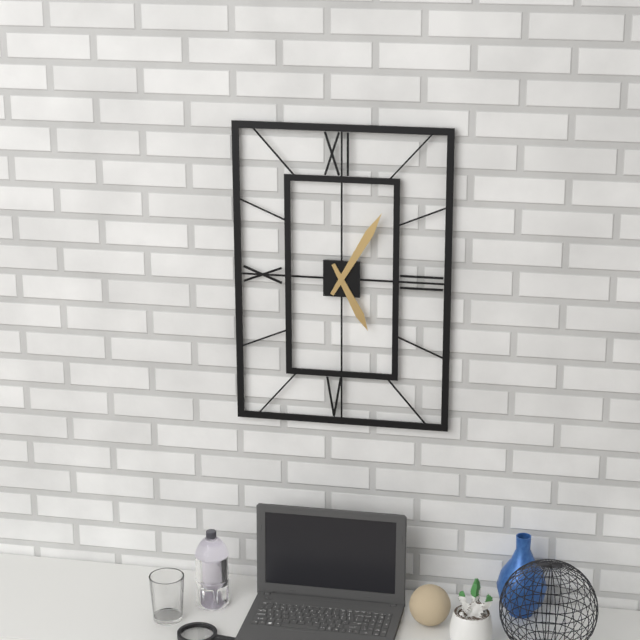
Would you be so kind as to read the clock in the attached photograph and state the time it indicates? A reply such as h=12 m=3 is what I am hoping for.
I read h=5 m=5
